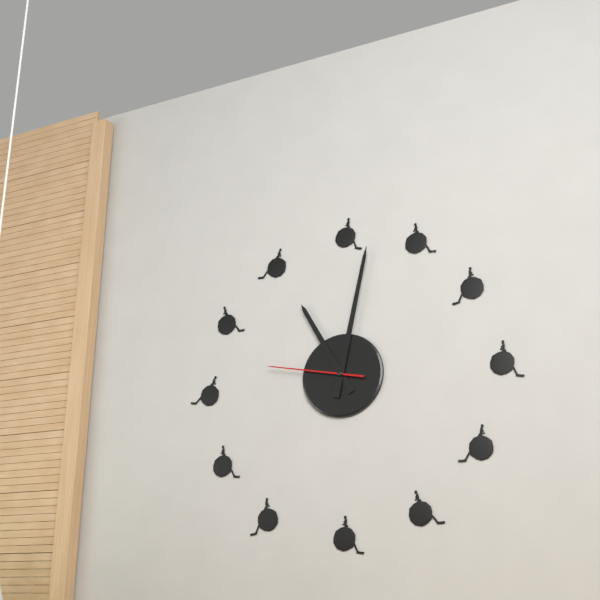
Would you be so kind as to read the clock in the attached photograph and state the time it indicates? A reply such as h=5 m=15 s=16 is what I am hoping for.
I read h=11 m=2 s=47
